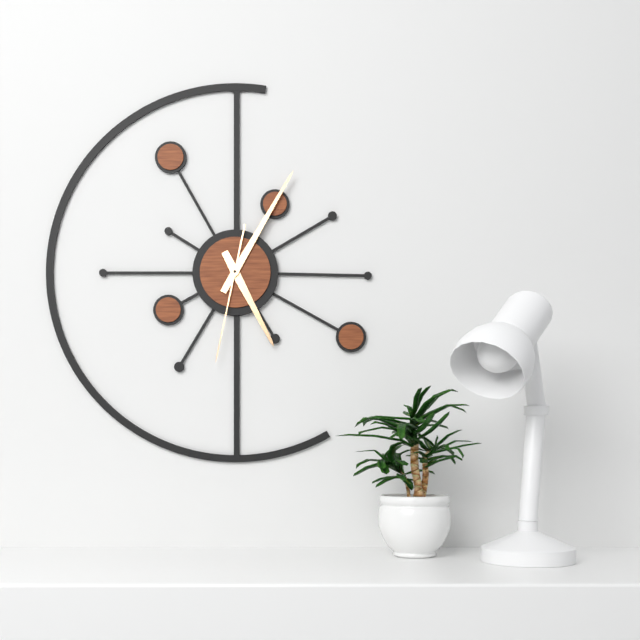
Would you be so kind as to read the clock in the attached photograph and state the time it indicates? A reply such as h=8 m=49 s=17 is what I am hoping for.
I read h=5 m=5 s=32
